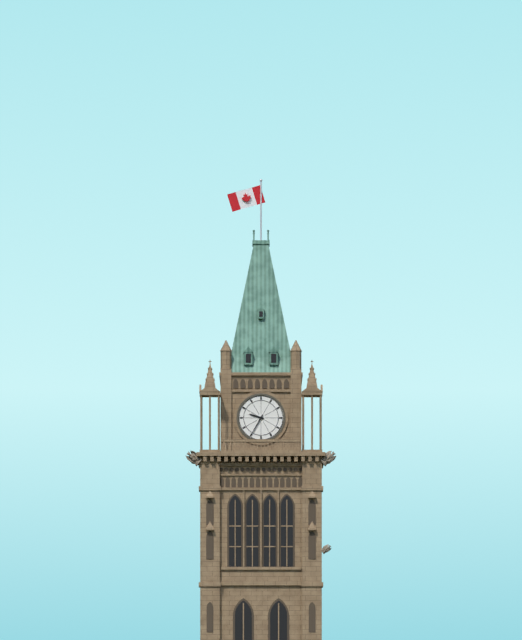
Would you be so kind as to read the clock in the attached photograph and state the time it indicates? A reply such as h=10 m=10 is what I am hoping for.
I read h=9 m=35
